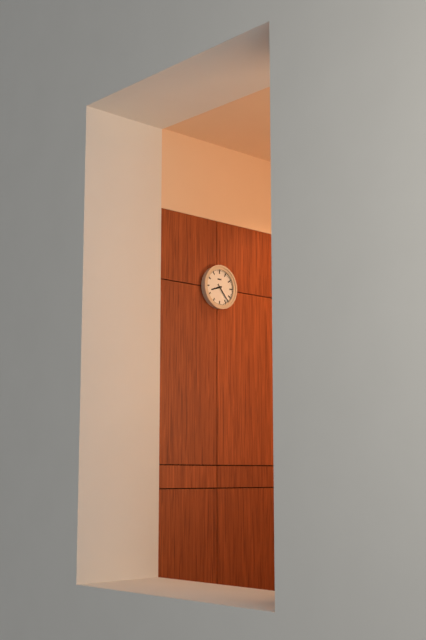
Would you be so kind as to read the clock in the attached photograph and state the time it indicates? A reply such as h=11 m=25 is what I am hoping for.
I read h=8 m=23
